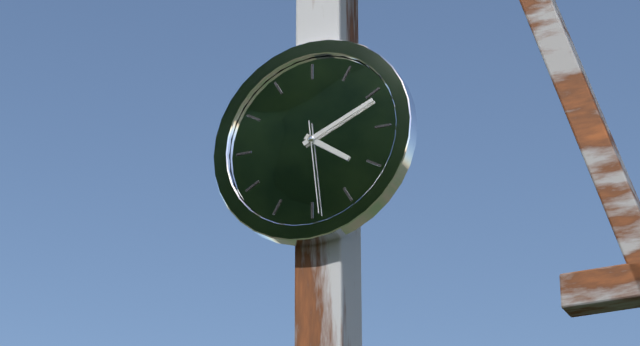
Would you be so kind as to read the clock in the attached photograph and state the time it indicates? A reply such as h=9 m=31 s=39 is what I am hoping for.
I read h=4 m=11 s=29
